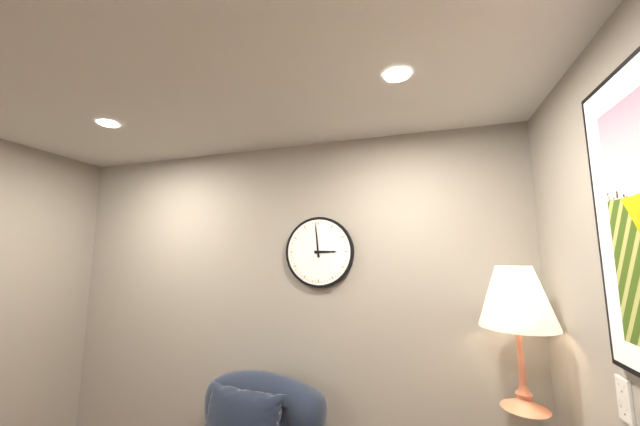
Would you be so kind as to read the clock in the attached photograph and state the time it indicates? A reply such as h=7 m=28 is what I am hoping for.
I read h=2 m=59
